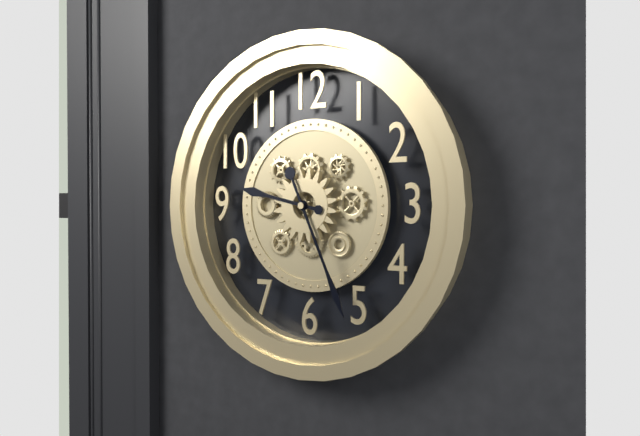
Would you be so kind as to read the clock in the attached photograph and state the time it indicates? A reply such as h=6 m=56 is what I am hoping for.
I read h=9 m=26
